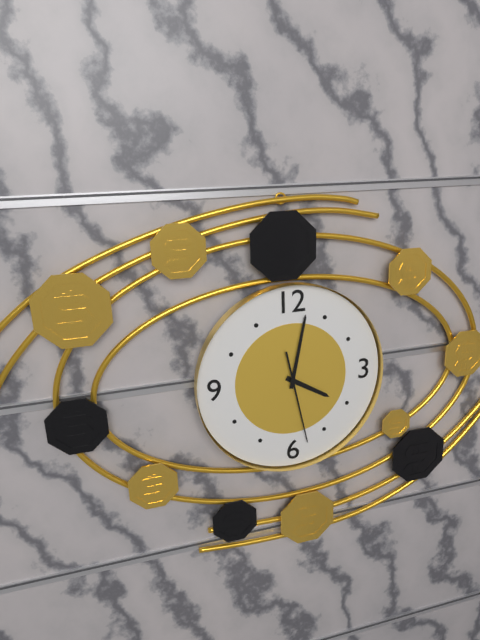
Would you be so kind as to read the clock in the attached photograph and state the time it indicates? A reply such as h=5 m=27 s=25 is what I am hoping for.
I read h=4 m=2 s=28
